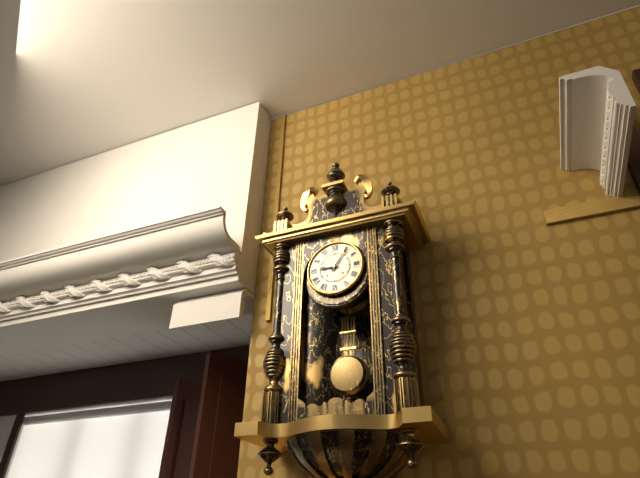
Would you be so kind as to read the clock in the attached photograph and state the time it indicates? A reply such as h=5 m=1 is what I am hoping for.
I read h=9 m=6
